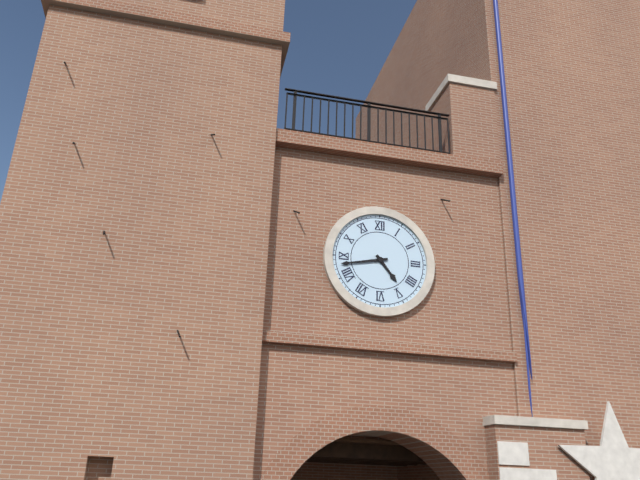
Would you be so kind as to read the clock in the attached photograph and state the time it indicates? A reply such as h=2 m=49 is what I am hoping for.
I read h=4 m=43
